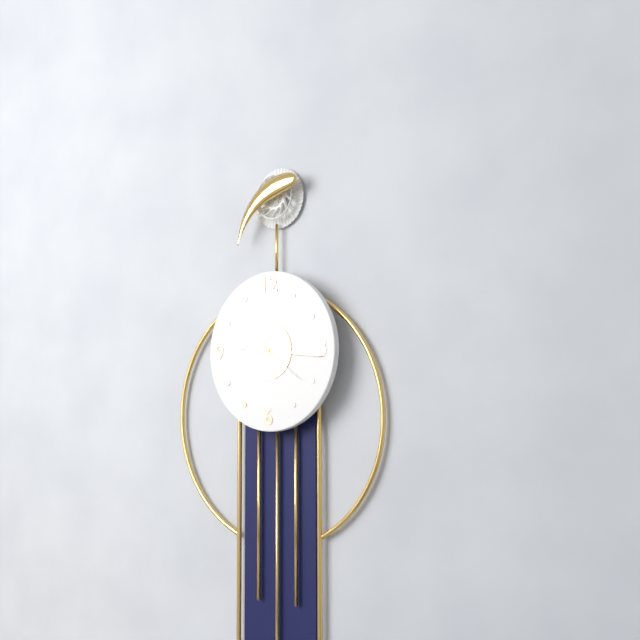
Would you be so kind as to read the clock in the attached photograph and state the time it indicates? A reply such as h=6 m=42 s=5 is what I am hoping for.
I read h=9 m=16 s=21
